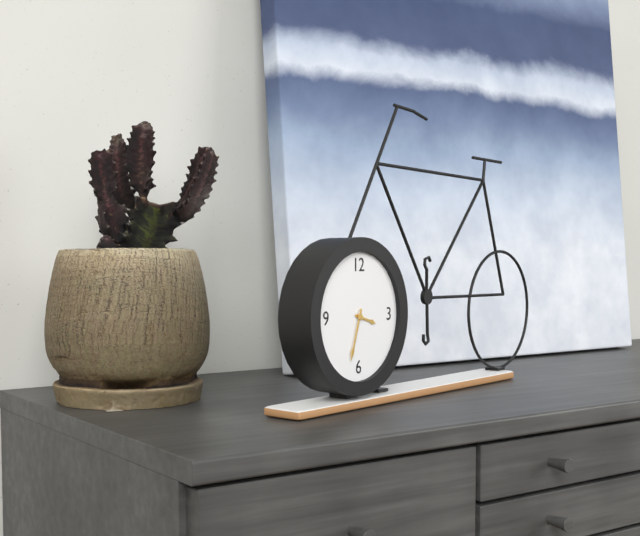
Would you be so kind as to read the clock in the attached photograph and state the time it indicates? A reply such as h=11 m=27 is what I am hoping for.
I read h=3 m=33
